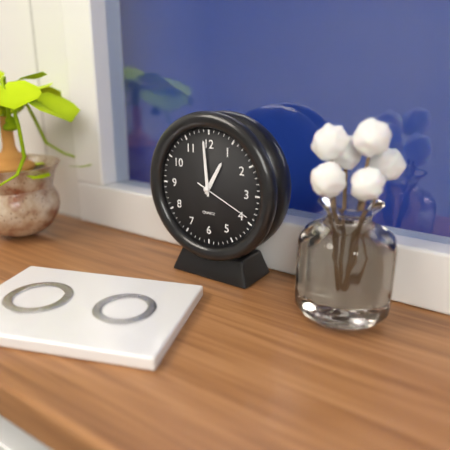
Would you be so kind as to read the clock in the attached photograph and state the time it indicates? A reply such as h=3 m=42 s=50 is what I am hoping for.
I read h=12 m=59 s=19
